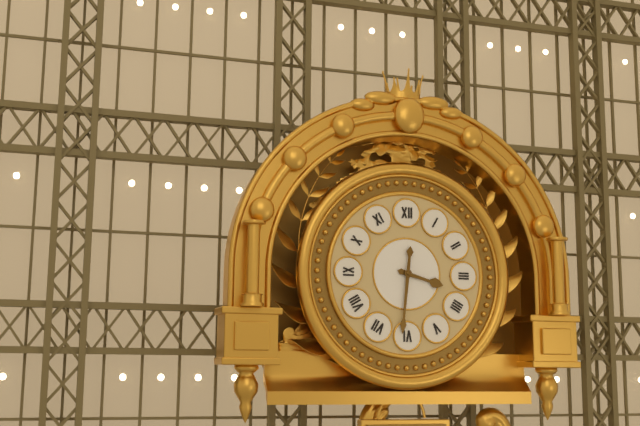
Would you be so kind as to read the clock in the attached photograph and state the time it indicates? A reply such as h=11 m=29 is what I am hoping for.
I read h=3 m=31
